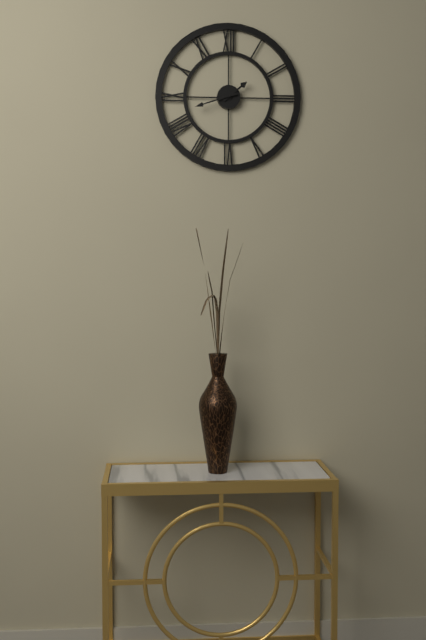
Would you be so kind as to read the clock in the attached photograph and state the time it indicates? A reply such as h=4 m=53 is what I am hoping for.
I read h=1 m=42
